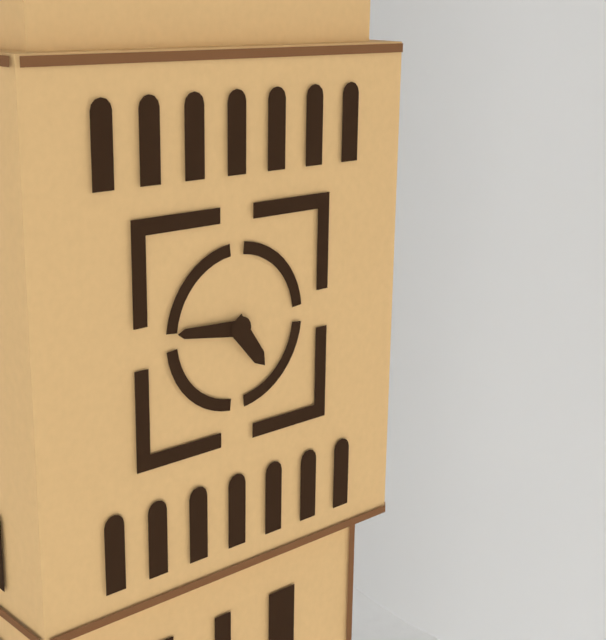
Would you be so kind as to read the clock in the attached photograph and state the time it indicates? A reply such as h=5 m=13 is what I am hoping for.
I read h=4 m=46
